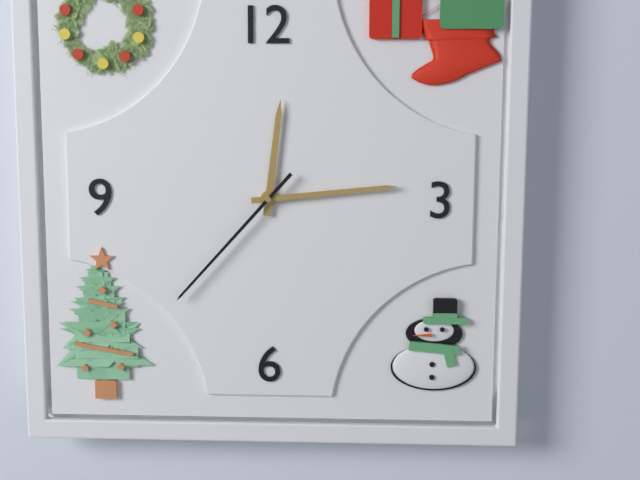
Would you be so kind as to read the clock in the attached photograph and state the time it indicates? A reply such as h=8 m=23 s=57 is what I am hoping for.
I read h=12 m=14 s=37
